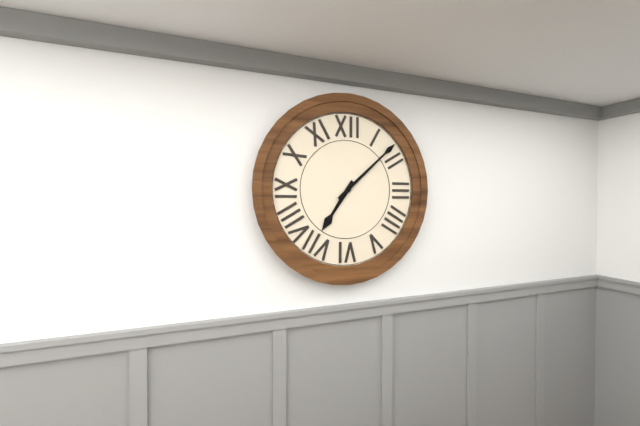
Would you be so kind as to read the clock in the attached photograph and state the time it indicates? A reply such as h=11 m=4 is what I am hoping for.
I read h=7 m=8
